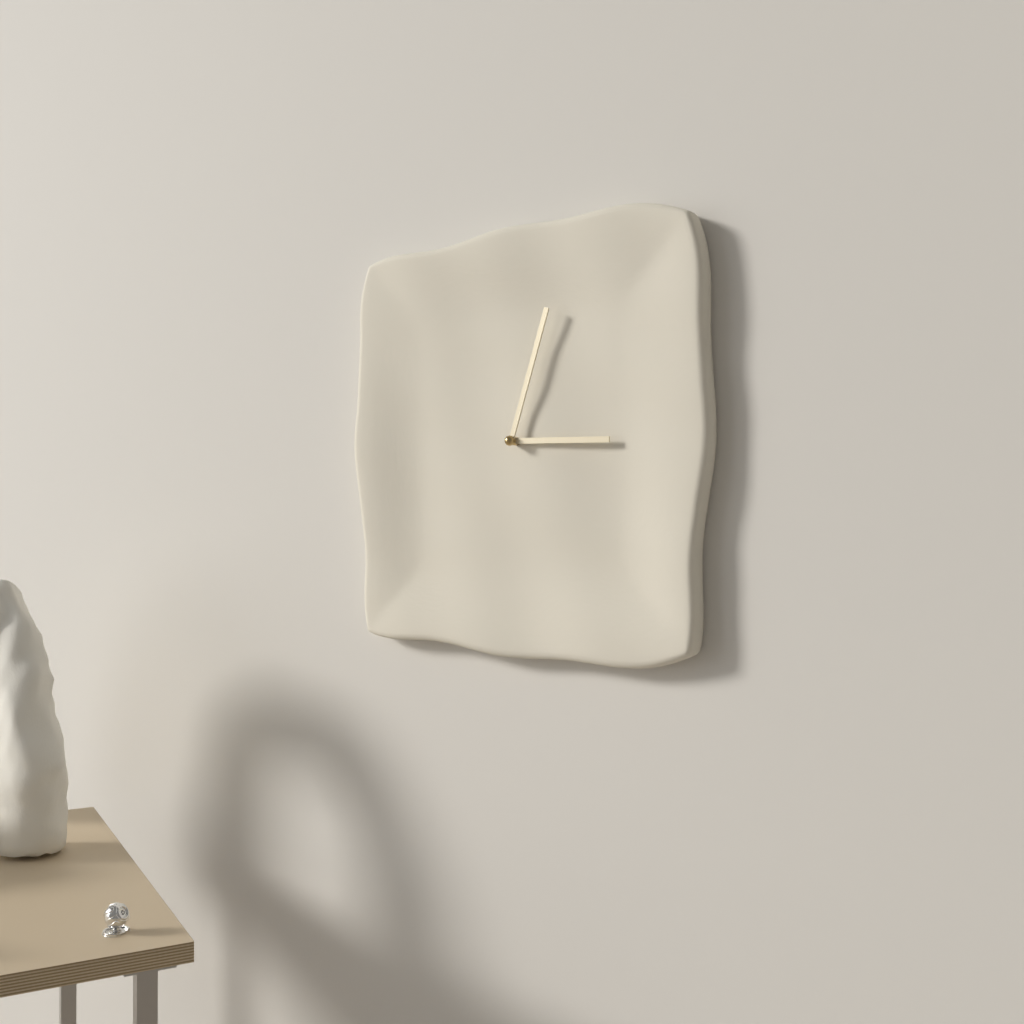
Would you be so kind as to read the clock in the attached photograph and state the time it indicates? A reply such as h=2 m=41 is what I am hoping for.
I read h=3 m=3
